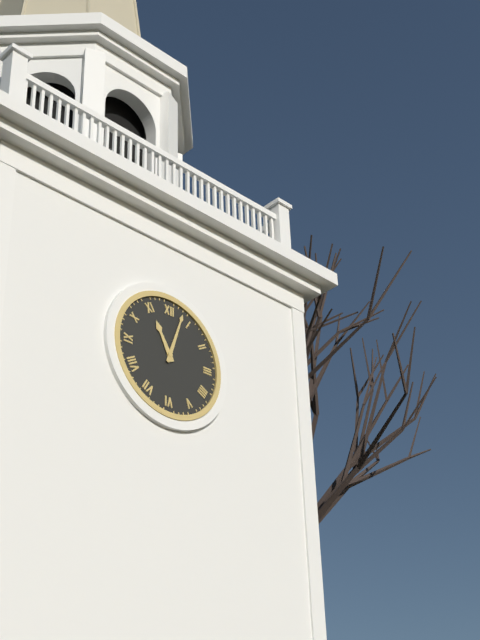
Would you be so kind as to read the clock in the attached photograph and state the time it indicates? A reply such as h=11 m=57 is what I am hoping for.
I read h=11 m=3
